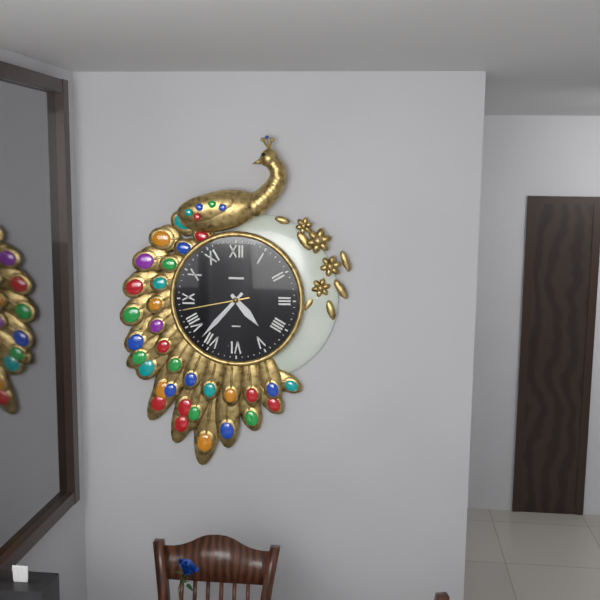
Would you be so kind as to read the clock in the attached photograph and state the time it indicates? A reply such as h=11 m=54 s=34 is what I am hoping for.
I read h=4 m=37 s=43
